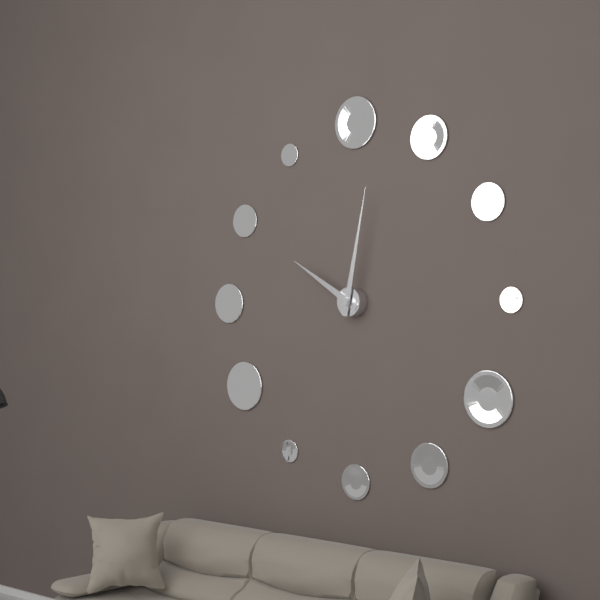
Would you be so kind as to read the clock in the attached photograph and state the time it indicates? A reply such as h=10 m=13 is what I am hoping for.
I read h=10 m=2
